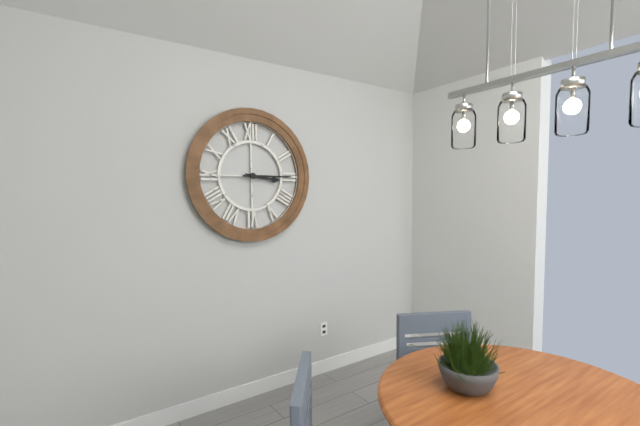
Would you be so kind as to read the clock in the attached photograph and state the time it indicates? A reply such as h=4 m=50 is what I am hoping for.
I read h=3 m=15
